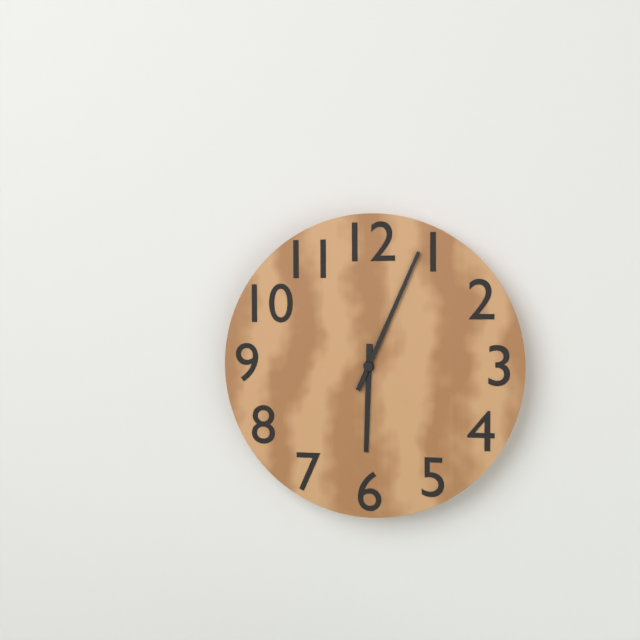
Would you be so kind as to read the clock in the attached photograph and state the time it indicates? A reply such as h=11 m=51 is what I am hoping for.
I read h=6 m=4
